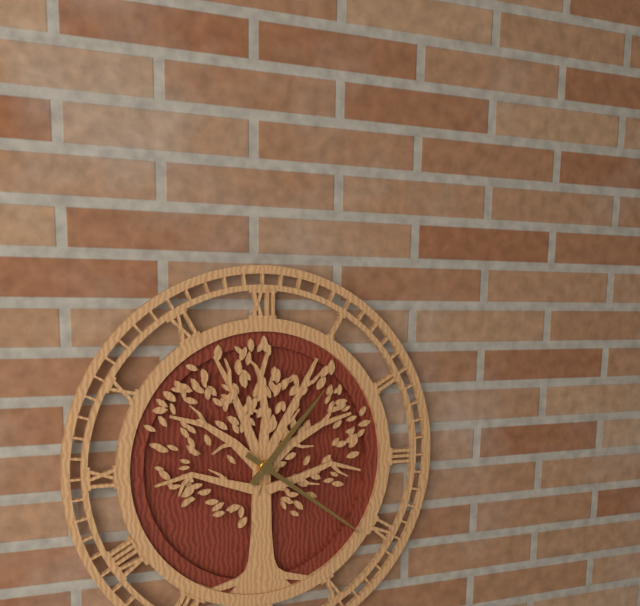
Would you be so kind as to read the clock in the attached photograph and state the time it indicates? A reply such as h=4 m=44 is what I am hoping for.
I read h=1 m=21
